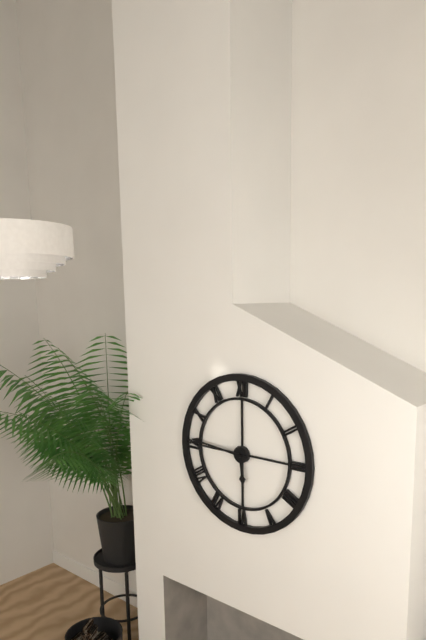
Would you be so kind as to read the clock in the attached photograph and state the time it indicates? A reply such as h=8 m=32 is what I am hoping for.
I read h=5 m=46
